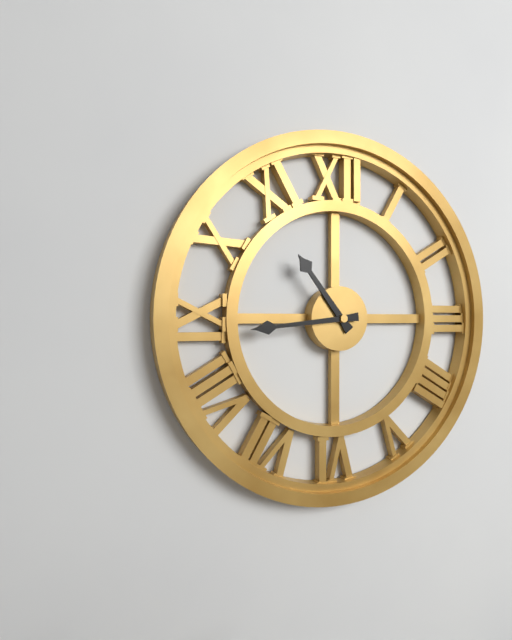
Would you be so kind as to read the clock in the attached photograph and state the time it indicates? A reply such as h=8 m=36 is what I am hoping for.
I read h=10 m=44
